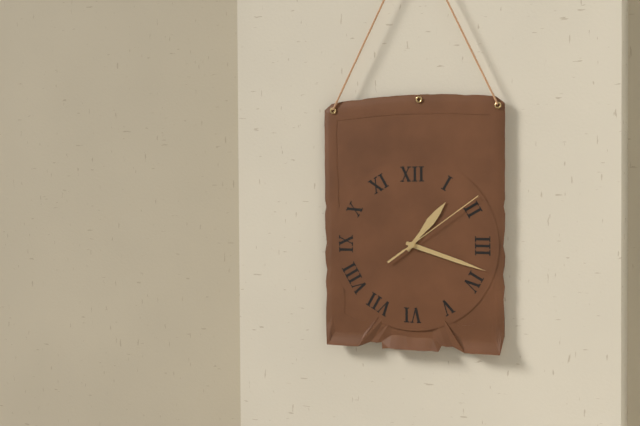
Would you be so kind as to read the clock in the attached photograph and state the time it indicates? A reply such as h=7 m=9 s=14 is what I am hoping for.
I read h=1 m=18 s=9
